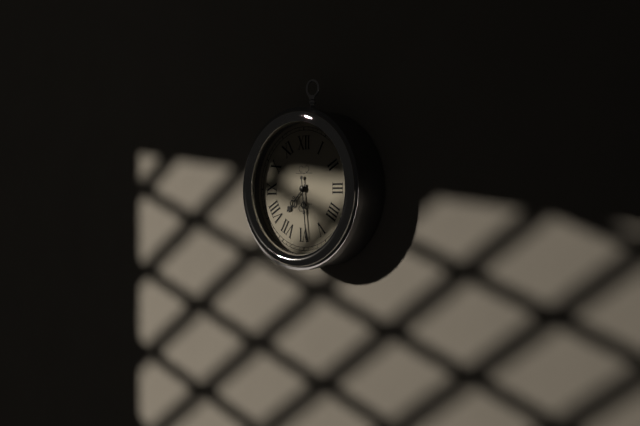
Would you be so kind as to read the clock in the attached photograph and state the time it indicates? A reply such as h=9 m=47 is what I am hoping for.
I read h=7 m=29
